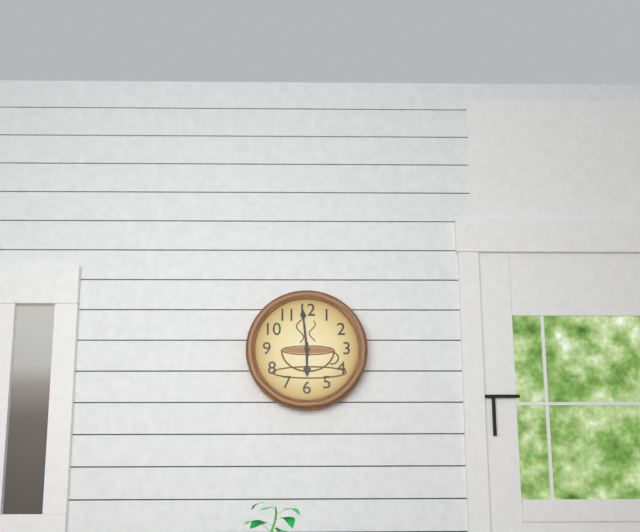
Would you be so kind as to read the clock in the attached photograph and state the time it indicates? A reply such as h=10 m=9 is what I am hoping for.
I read h=5 m=59
